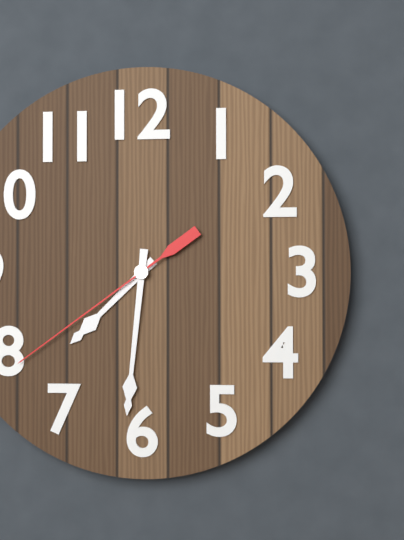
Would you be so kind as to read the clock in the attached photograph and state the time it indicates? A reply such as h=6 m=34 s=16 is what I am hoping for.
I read h=7 m=31 s=39
